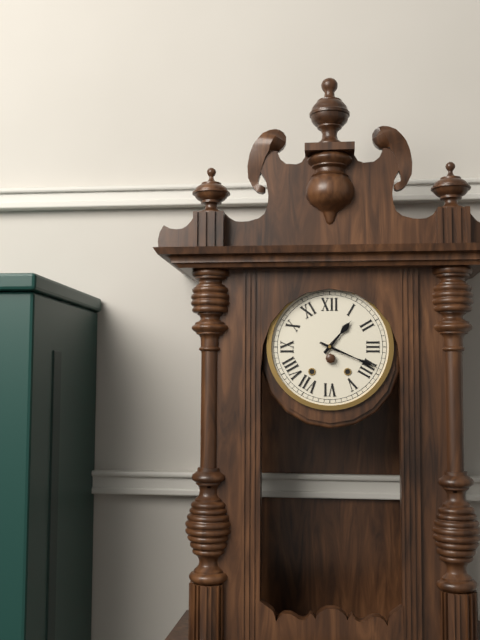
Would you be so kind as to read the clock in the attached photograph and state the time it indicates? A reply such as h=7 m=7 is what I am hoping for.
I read h=1 m=19
